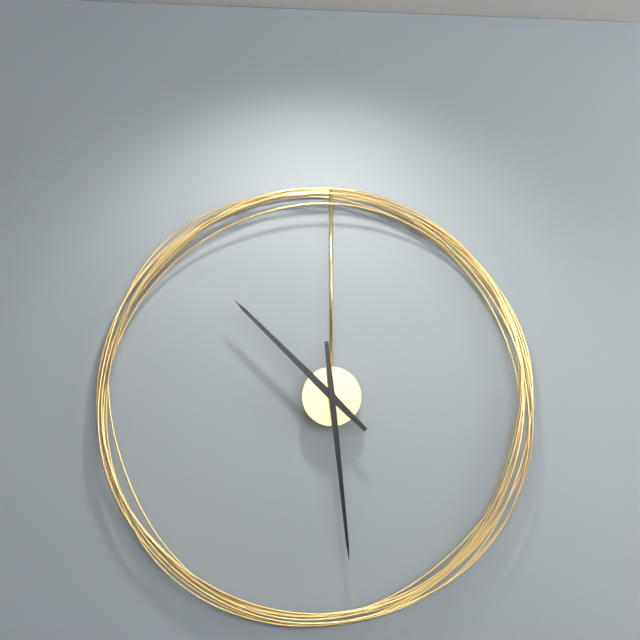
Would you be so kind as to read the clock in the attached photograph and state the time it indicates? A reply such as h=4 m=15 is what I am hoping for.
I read h=10 m=29
